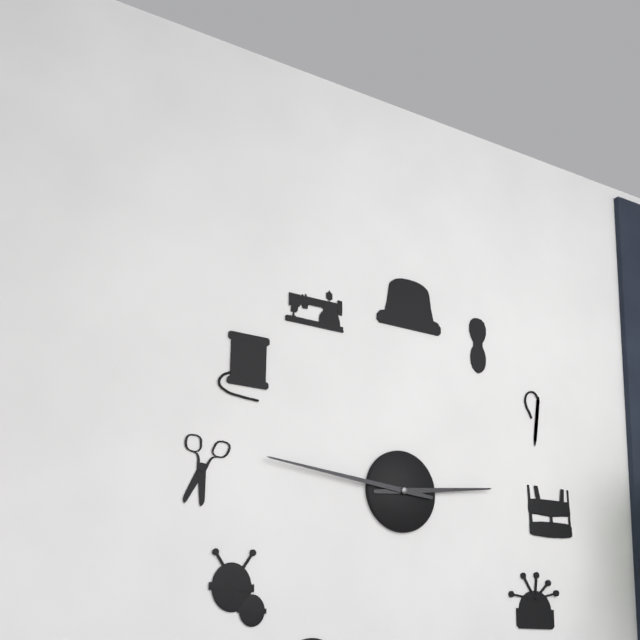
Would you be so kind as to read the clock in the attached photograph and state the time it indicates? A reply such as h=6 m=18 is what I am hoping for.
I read h=2 m=46
